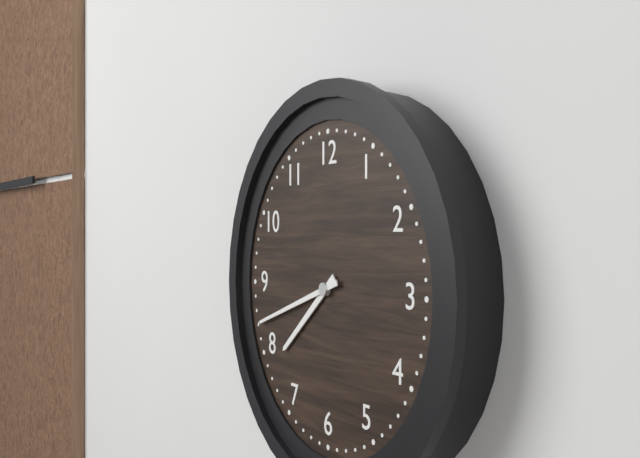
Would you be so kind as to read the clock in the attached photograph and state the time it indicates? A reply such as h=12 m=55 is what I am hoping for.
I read h=7 m=42
